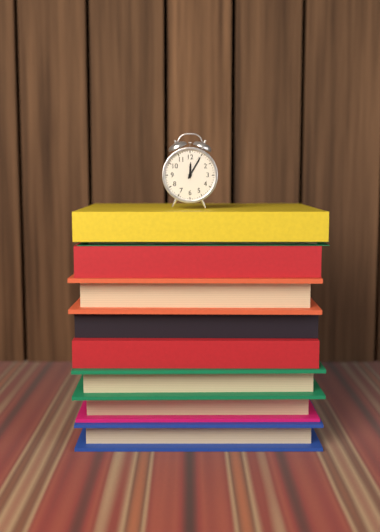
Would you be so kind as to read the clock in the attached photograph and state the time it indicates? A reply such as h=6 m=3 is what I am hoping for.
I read h=12 m=5
